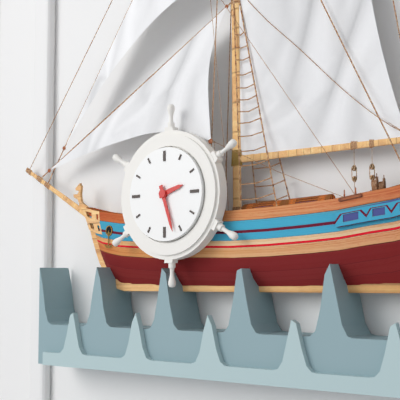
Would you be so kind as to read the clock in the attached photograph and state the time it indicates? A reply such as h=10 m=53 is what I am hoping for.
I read h=2 m=27
